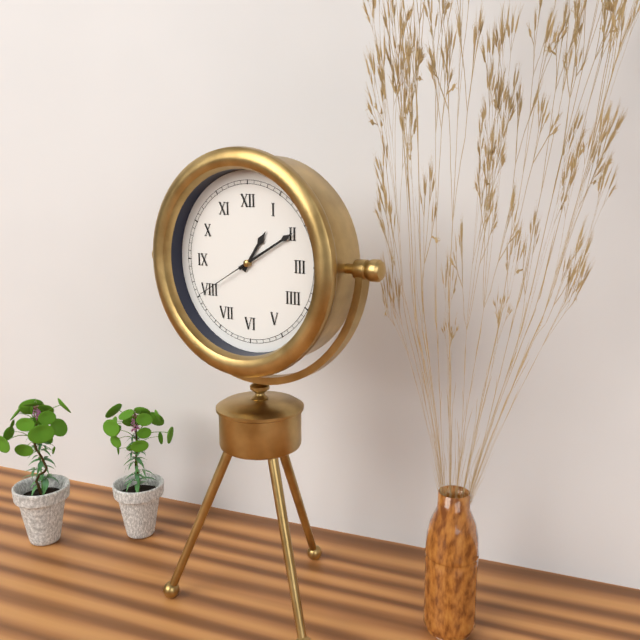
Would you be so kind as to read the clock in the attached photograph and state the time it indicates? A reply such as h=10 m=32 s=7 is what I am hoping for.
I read h=1 m=10 s=40
